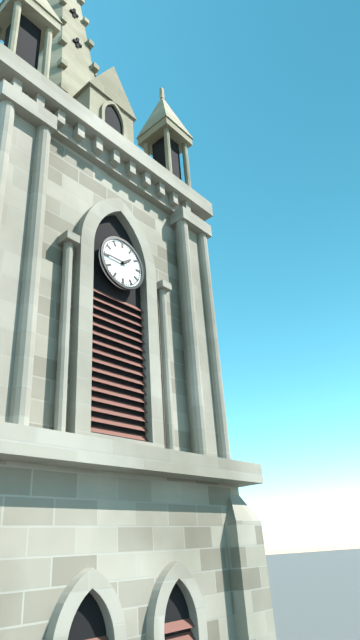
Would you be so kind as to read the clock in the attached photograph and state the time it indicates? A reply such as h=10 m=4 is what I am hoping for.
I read h=1 m=45
